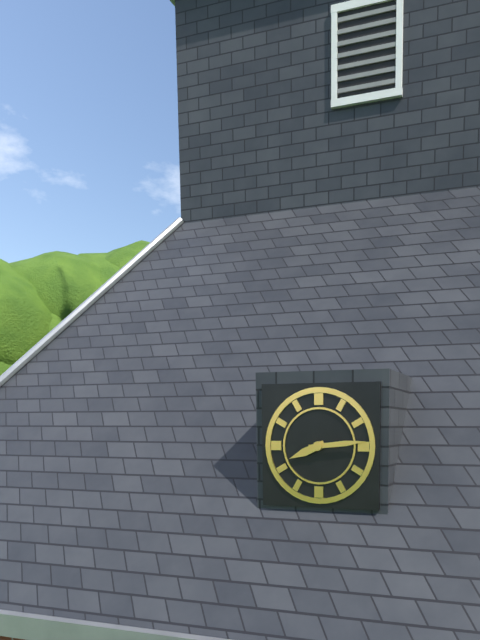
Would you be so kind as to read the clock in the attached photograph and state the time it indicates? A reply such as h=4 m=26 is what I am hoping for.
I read h=8 m=14
